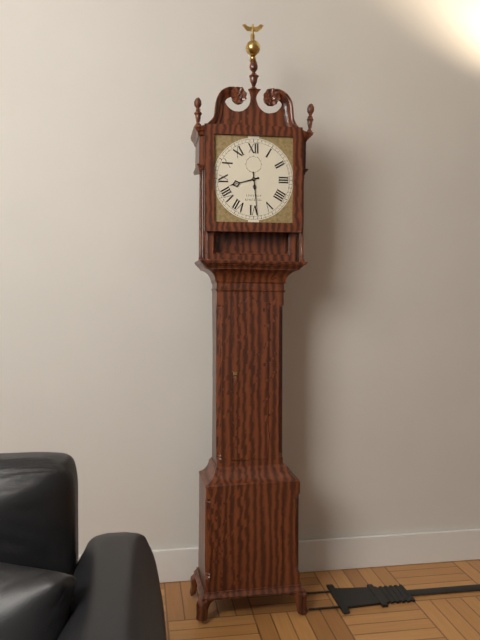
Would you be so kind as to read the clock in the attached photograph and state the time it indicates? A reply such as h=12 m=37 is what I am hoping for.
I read h=8 m=29
